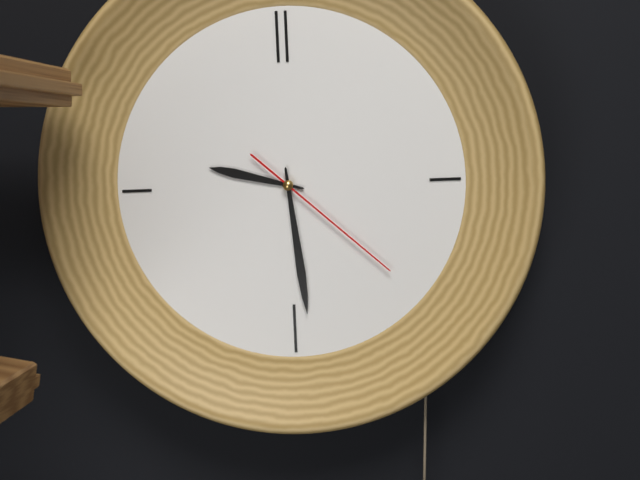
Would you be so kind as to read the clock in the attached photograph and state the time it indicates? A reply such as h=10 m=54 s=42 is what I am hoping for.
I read h=9 m=29 s=22
